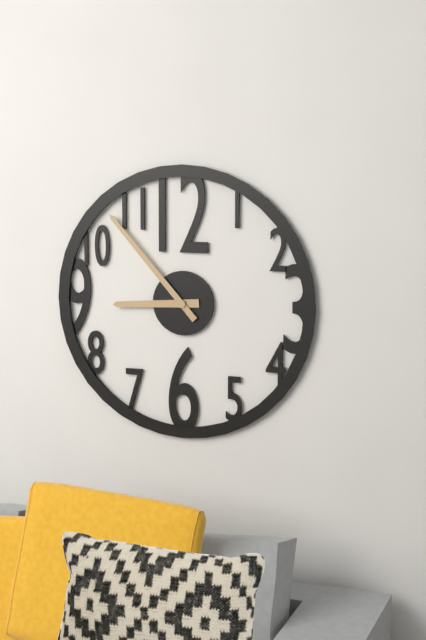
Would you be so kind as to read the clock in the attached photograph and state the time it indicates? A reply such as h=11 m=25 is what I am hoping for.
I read h=8 m=53
